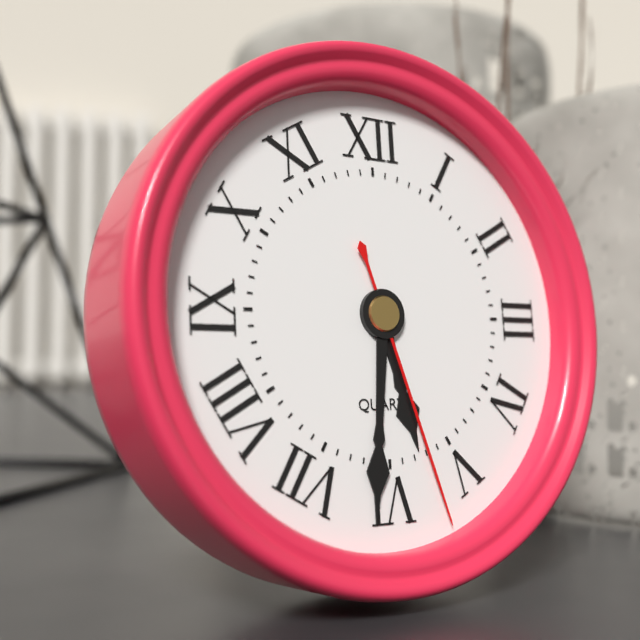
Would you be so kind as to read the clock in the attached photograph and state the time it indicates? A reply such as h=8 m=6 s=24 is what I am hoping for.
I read h=5 m=31 s=27
